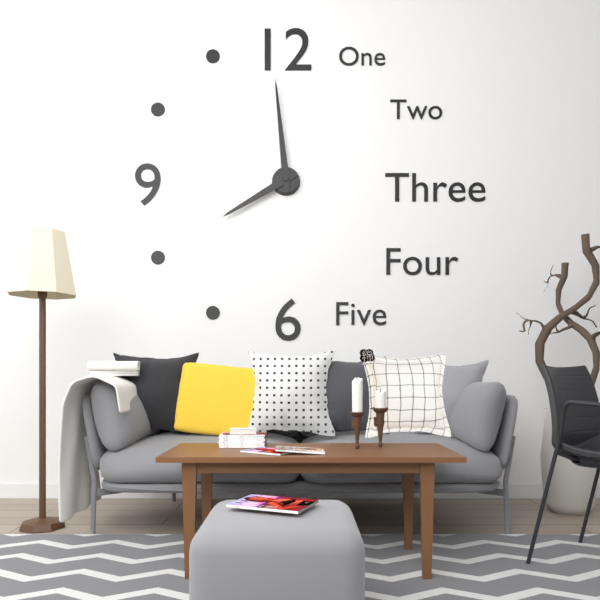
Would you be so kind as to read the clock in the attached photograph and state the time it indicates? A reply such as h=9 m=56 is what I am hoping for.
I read h=7 m=59
